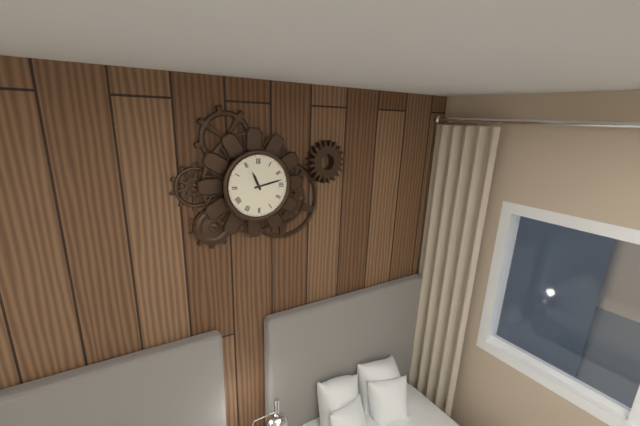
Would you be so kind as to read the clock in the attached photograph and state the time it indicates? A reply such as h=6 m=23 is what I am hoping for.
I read h=11 m=13
